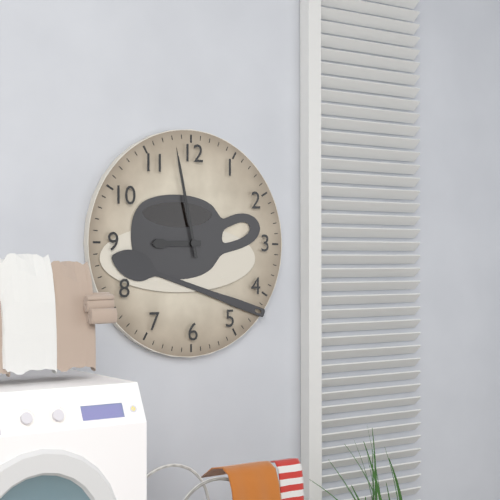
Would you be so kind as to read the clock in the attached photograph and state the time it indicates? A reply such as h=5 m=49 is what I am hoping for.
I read h=8 m=58
